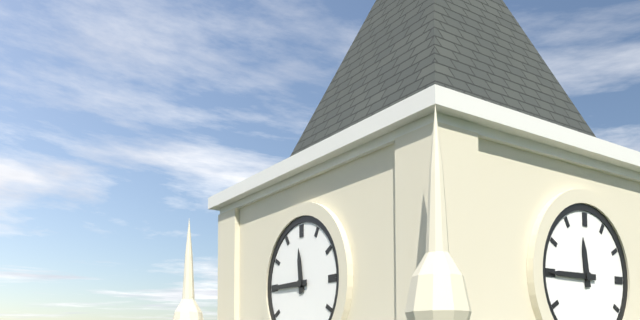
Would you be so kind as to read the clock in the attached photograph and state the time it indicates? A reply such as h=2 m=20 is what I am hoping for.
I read h=11 m=45
